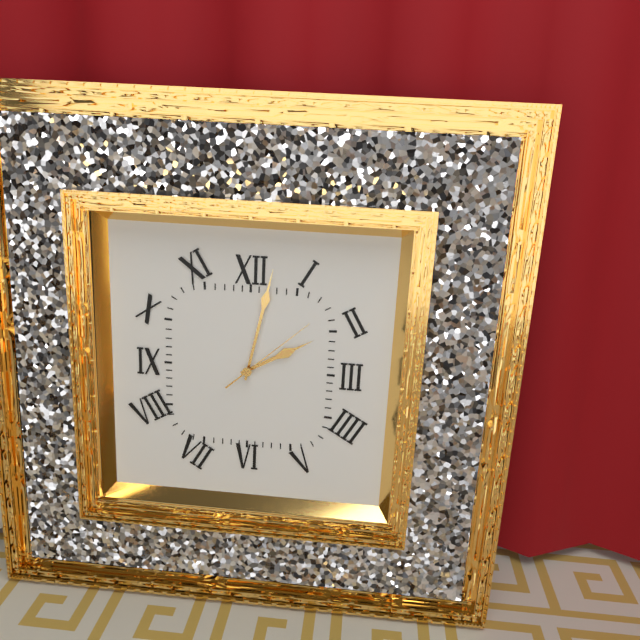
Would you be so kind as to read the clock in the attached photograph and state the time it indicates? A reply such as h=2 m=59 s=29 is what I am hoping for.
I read h=2 m=2 s=8
